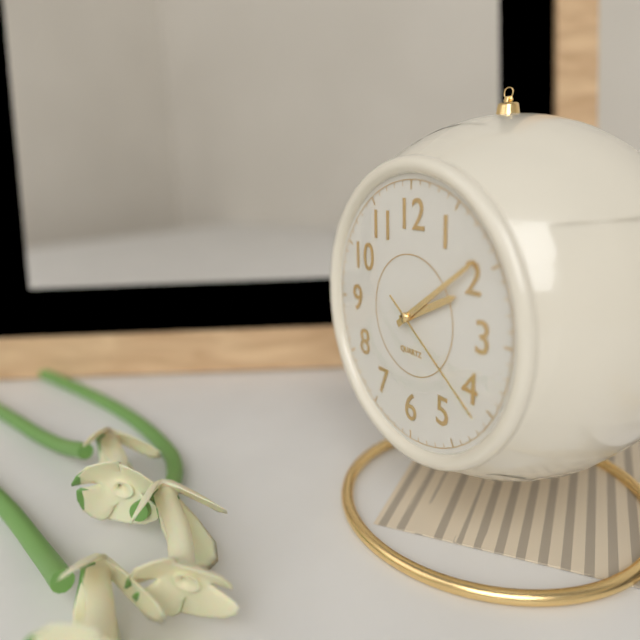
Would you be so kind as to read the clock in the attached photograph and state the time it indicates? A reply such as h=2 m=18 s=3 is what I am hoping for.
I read h=2 m=9 s=21
